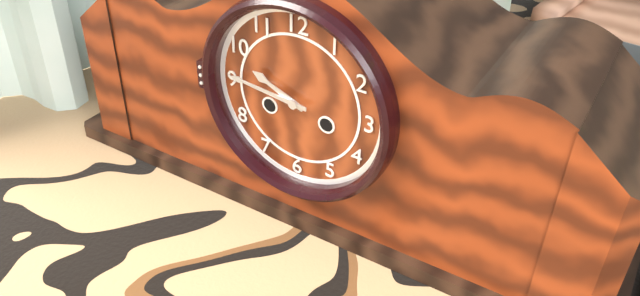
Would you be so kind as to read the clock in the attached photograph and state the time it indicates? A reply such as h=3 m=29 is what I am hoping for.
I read h=9 m=46
